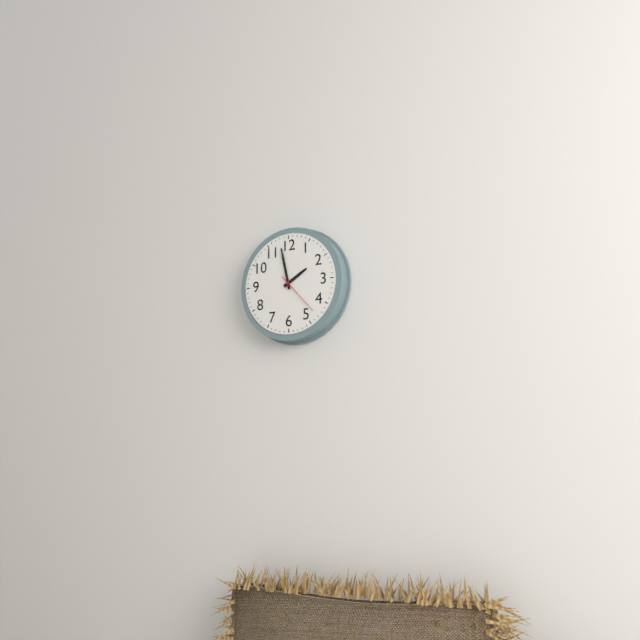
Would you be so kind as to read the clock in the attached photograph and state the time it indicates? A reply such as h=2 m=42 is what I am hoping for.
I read h=1 m=58
